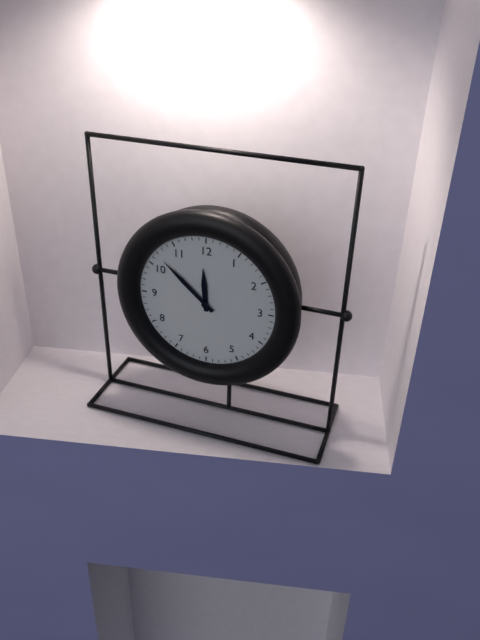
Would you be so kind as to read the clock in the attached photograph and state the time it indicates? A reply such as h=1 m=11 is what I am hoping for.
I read h=11 m=52
